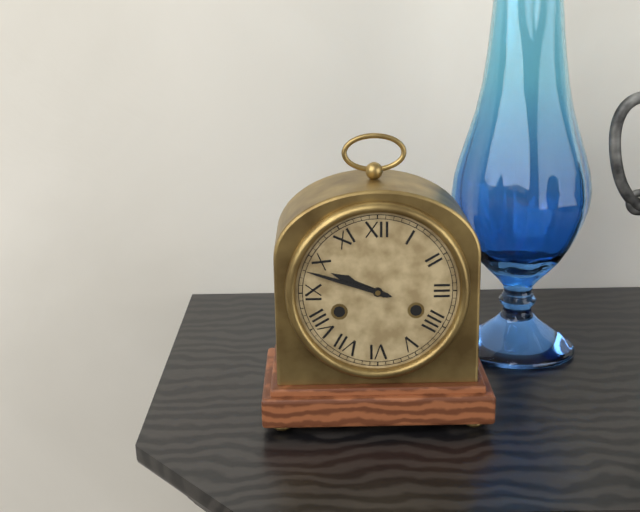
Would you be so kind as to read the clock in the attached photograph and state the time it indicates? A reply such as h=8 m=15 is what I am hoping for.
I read h=9 m=48
